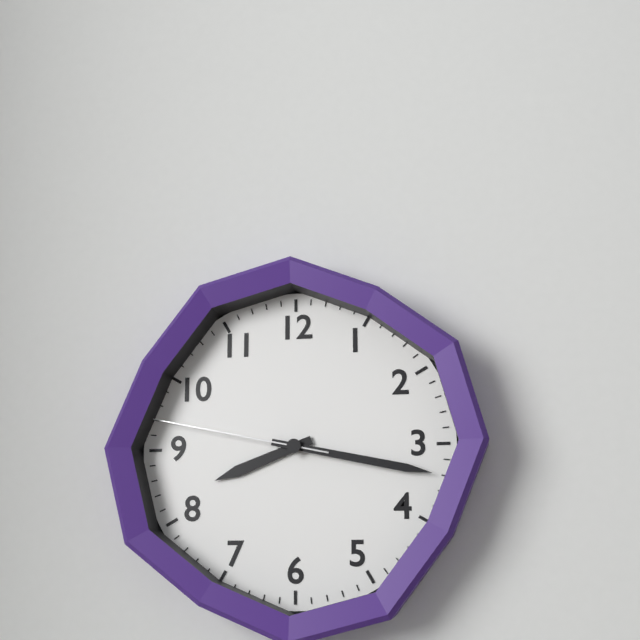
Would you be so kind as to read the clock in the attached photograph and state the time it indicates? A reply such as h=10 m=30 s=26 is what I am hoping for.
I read h=8 m=17 s=47
